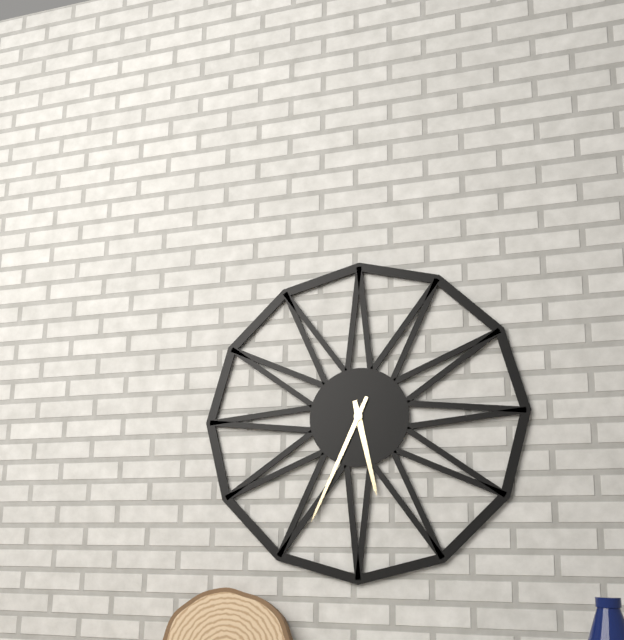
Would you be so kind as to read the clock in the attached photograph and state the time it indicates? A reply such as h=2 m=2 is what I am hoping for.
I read h=5 m=34
